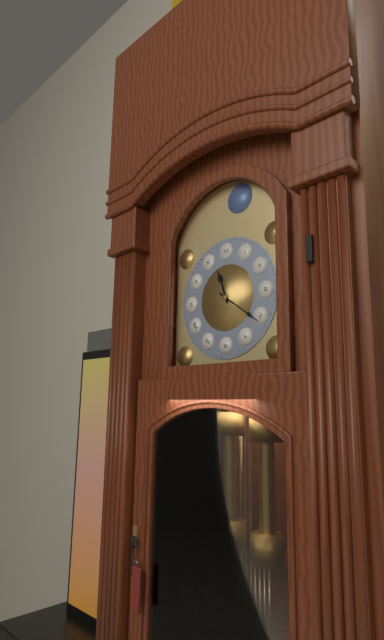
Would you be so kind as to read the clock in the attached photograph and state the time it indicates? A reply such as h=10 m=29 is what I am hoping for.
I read h=11 m=21
